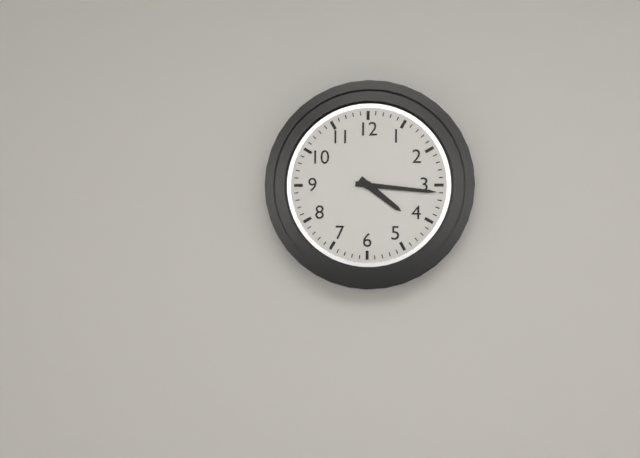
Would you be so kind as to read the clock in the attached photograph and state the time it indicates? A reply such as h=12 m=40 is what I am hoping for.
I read h=4 m=16
